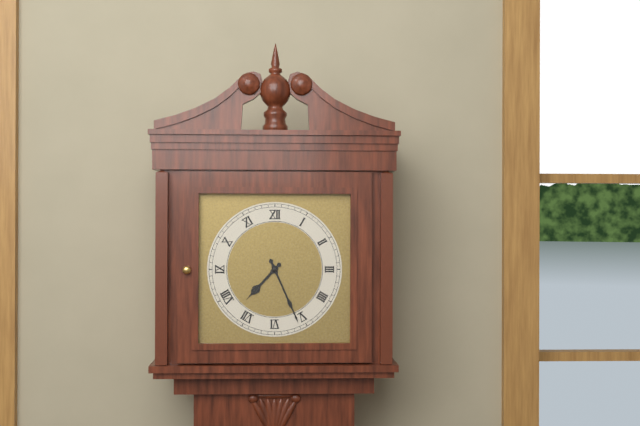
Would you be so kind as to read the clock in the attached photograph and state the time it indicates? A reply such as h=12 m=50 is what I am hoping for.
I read h=7 m=26
